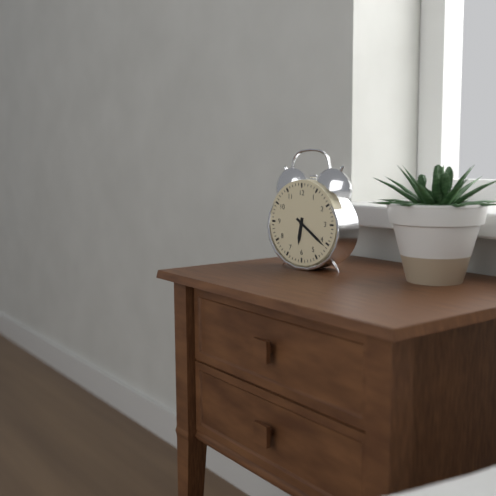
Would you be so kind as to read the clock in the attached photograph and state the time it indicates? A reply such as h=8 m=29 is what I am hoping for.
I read h=6 m=21
